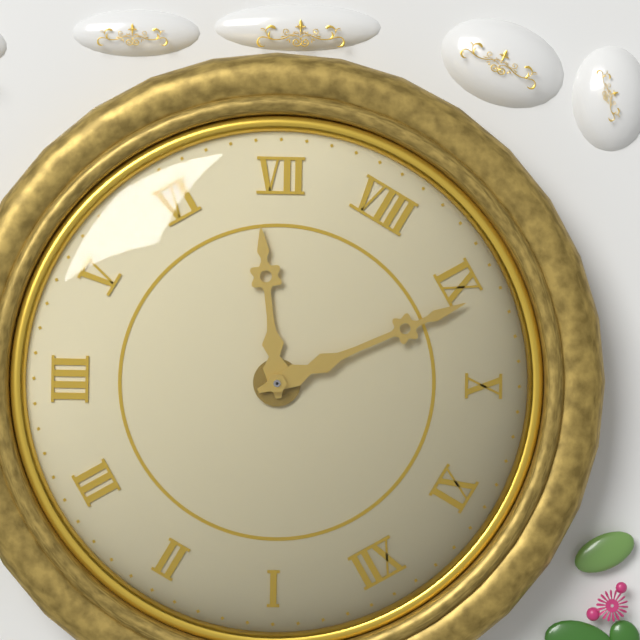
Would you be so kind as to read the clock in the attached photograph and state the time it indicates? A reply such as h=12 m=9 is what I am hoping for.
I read h=6 m=46
